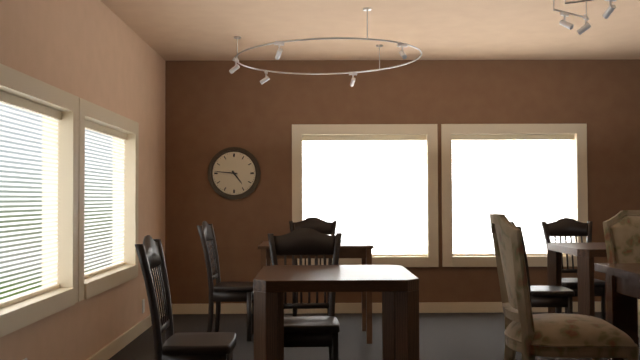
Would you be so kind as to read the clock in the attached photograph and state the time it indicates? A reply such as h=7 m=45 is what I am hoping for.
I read h=4 m=46
